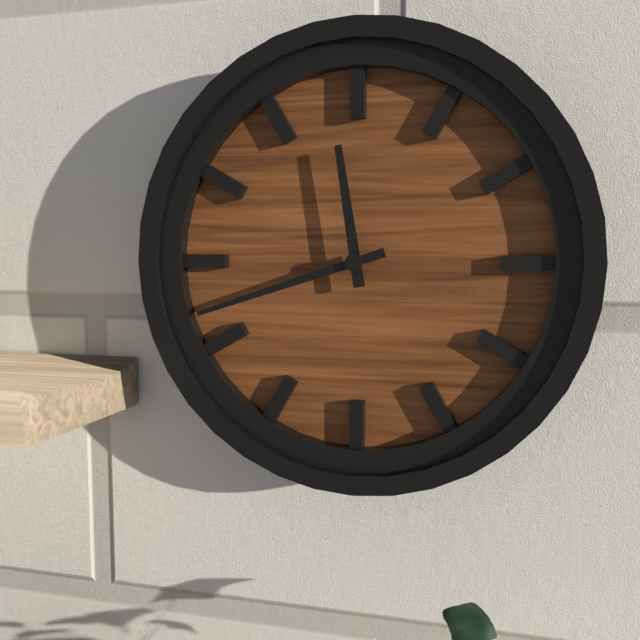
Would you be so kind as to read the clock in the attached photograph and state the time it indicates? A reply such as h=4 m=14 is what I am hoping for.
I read h=11 m=42
